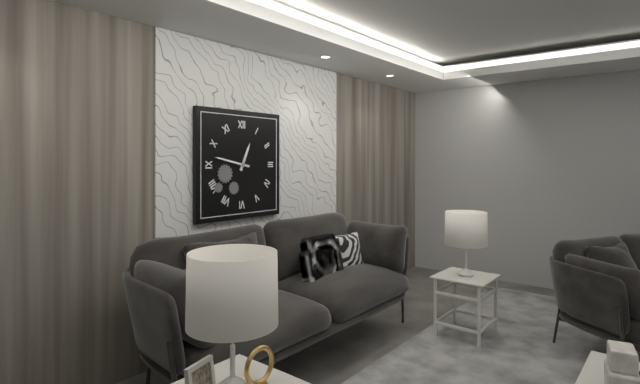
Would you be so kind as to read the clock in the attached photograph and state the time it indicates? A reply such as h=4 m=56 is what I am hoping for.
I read h=12 m=47
